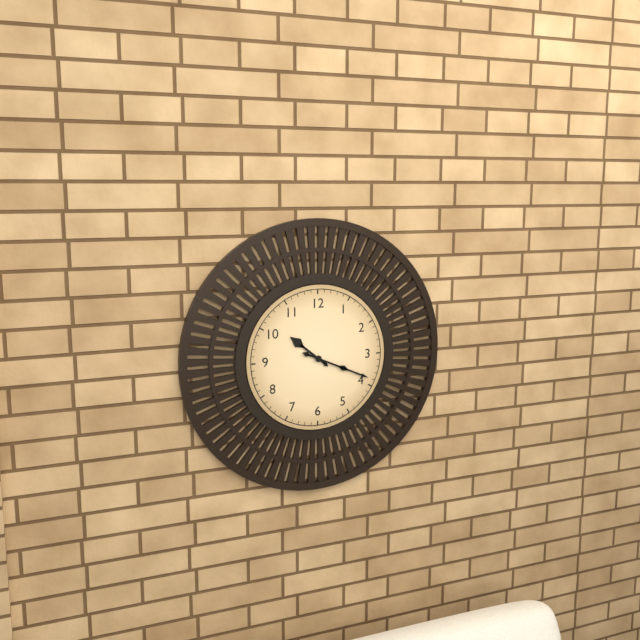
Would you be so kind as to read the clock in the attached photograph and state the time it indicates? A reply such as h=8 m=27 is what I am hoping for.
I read h=10 m=19
